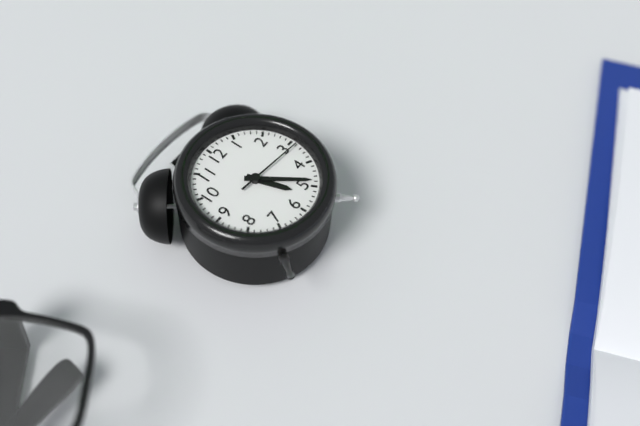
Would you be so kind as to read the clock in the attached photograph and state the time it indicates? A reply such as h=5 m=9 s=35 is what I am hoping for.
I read h=5 m=24 s=16
